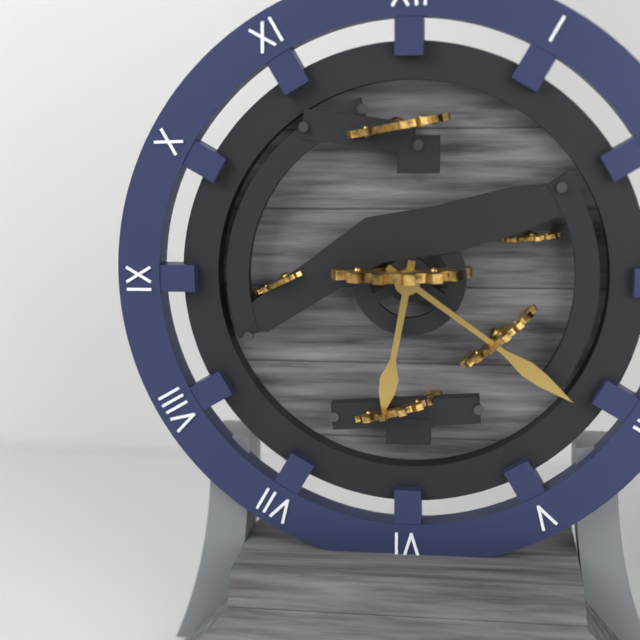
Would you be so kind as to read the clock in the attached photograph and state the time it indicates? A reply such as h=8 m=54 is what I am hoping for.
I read h=6 m=21
